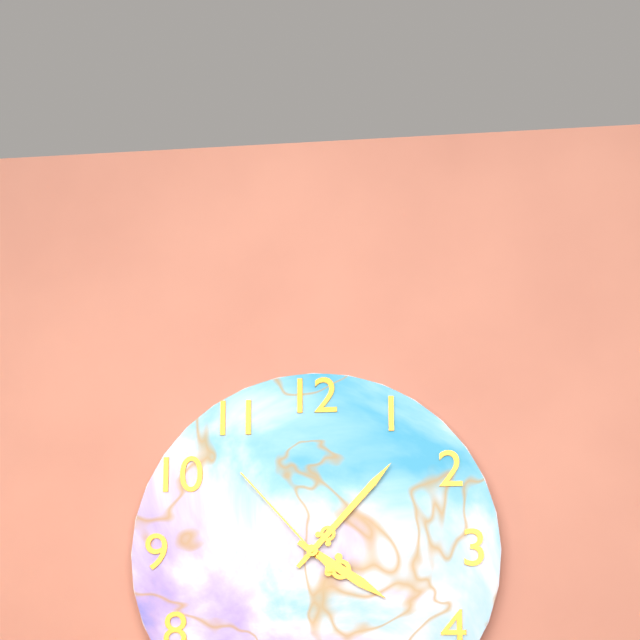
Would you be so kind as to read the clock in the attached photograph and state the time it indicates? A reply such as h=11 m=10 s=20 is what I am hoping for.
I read h=4 m=7 s=53
